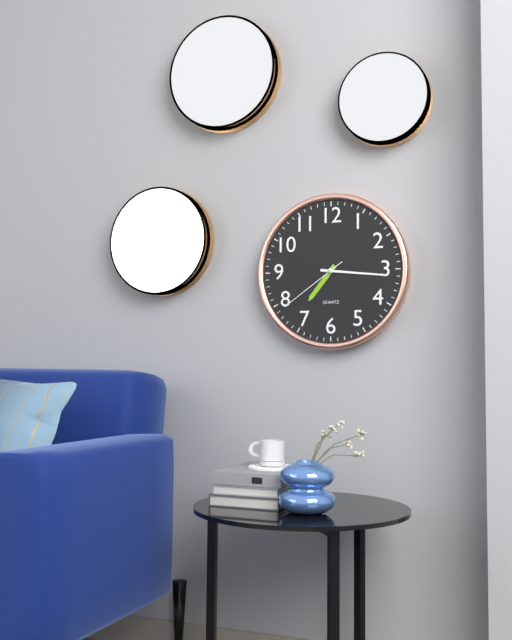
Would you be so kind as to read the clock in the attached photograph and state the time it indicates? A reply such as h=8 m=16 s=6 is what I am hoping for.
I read h=7 m=16 s=39
